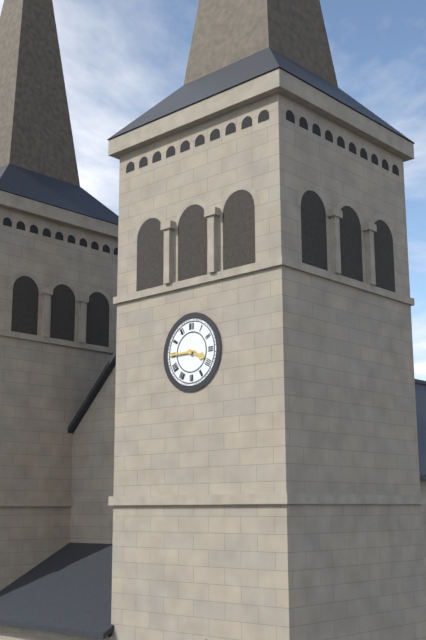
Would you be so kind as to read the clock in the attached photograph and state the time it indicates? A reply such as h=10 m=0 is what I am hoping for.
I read h=3 m=45
